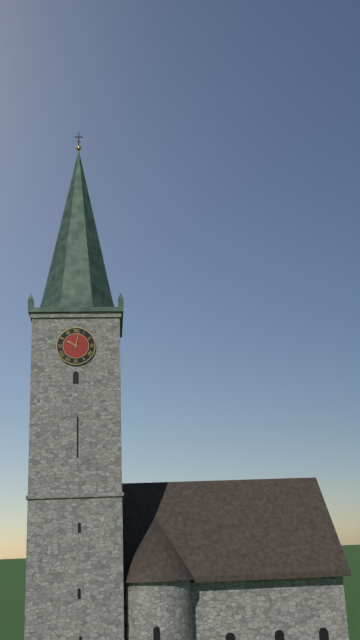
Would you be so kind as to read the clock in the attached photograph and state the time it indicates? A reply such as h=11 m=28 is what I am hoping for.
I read h=10 m=2
